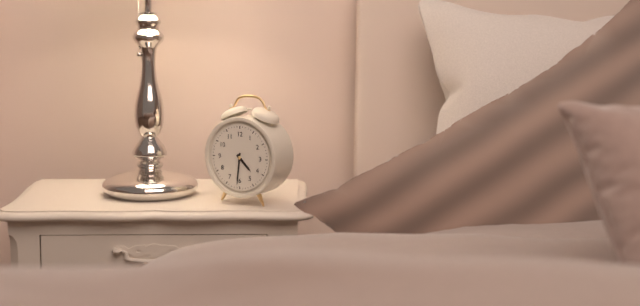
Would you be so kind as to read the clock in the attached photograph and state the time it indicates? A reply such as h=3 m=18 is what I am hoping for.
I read h=4 m=31
